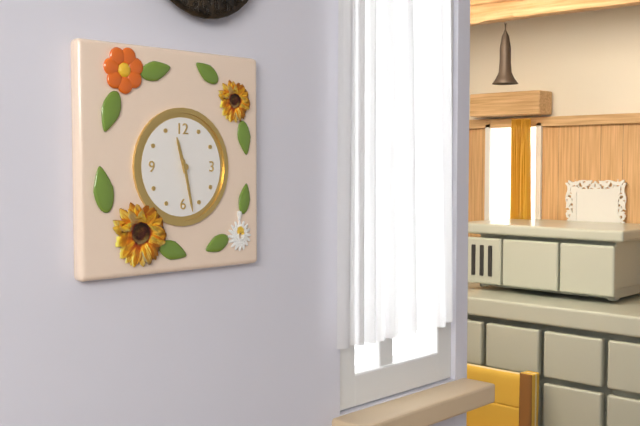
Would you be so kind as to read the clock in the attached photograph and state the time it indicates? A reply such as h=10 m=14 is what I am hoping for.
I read h=11 m=28
